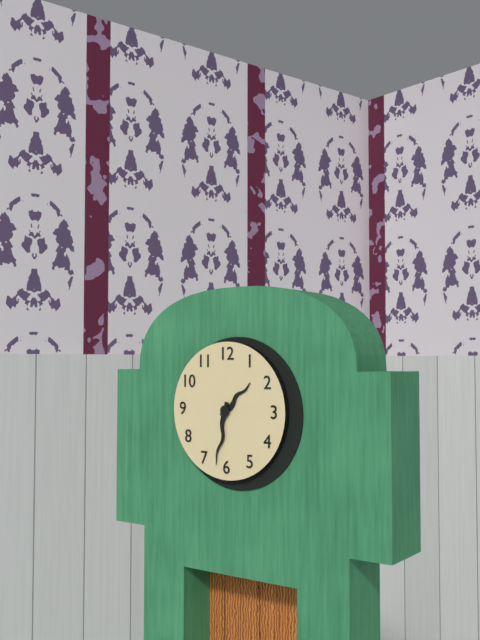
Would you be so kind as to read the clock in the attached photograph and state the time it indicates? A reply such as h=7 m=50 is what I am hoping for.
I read h=1 m=32
